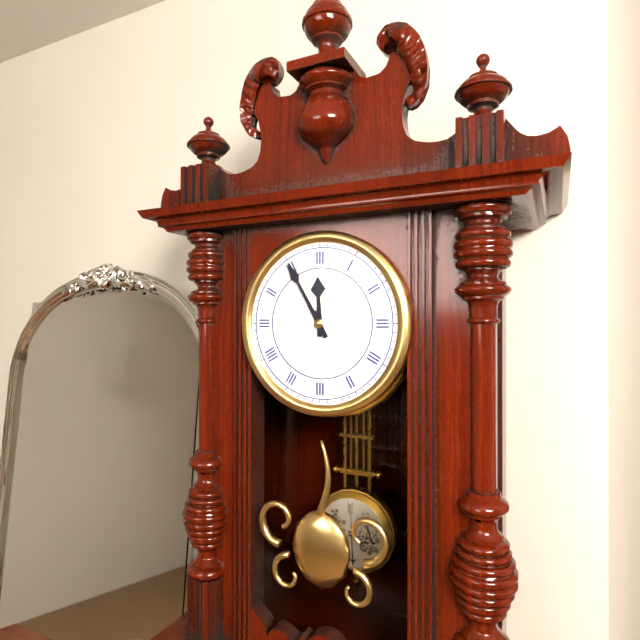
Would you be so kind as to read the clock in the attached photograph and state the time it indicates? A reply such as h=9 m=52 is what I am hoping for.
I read h=11 m=55
